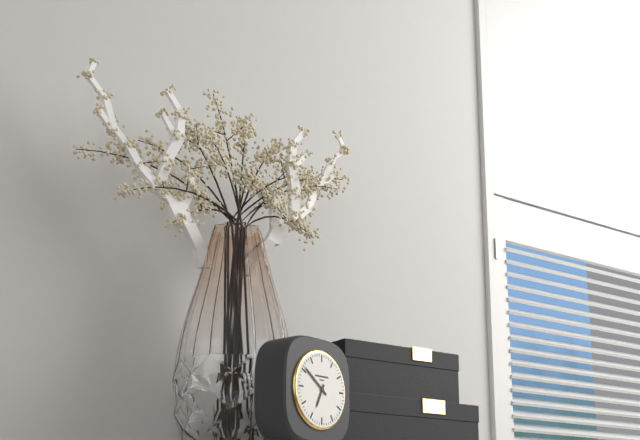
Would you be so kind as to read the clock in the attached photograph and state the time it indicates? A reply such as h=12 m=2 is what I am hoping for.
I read h=6 m=51
